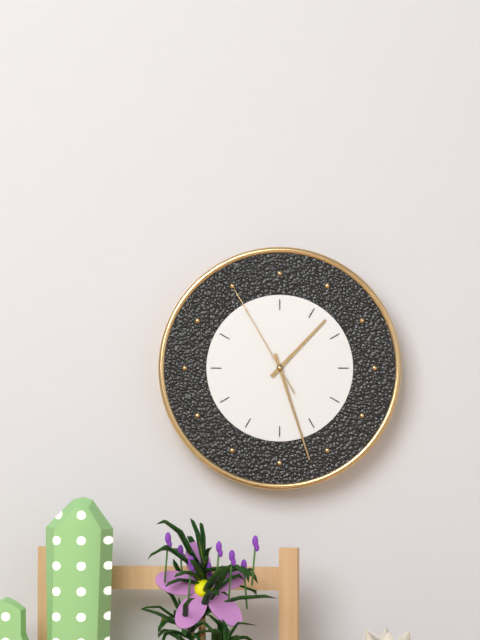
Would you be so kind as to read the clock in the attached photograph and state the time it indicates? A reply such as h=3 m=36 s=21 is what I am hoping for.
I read h=1 m=27 s=55
